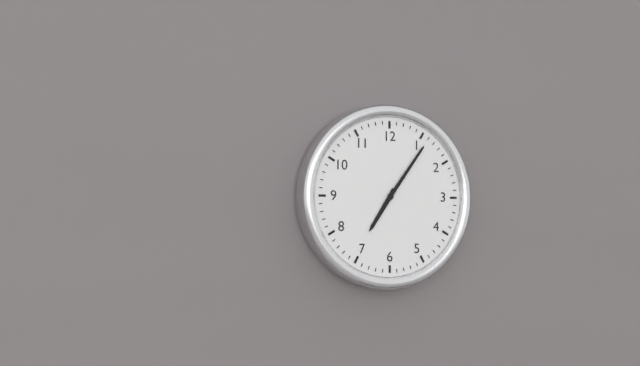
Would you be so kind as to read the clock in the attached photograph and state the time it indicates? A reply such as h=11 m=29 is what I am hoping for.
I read h=7 m=6
